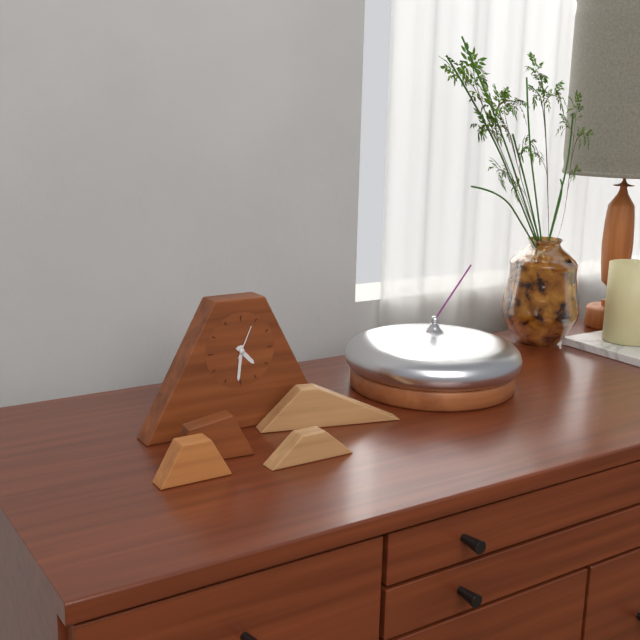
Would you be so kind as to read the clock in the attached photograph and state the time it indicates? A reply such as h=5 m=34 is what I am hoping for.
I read h=4 m=31
